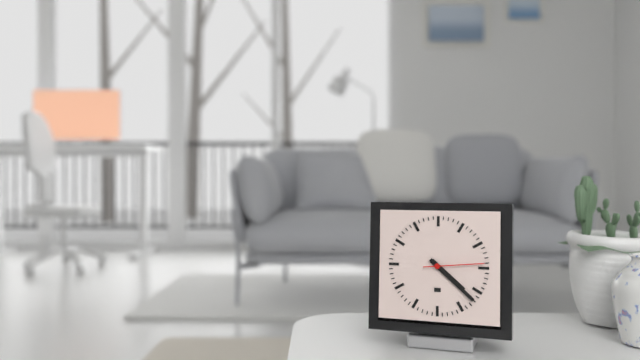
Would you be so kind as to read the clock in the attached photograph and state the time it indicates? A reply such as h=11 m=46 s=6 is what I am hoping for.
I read h=4 m=22 s=14
